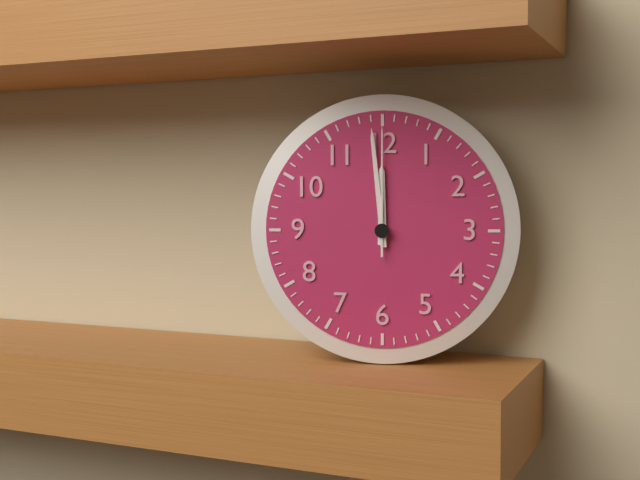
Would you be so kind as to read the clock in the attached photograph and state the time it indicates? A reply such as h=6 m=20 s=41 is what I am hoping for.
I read h=11 m=59 s=0
